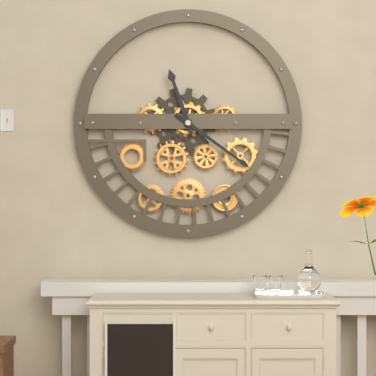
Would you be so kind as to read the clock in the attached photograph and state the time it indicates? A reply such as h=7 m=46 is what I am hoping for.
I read h=11 m=21
